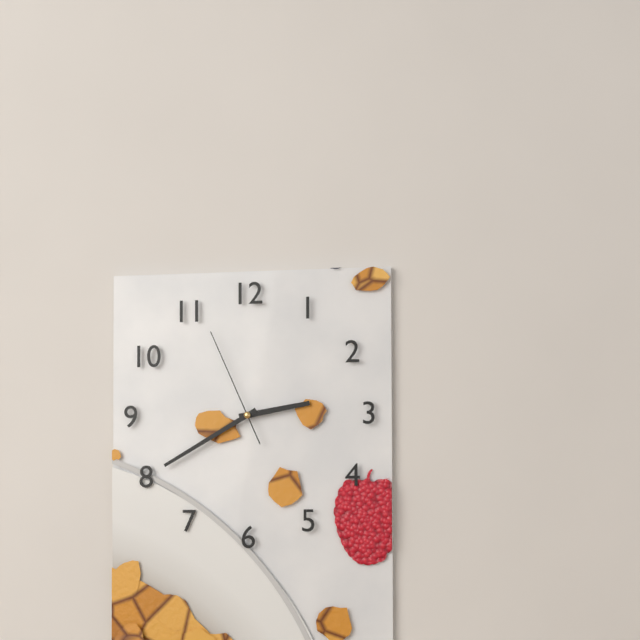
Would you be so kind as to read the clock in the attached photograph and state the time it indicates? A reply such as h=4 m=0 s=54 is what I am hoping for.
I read h=2 m=40 s=56
